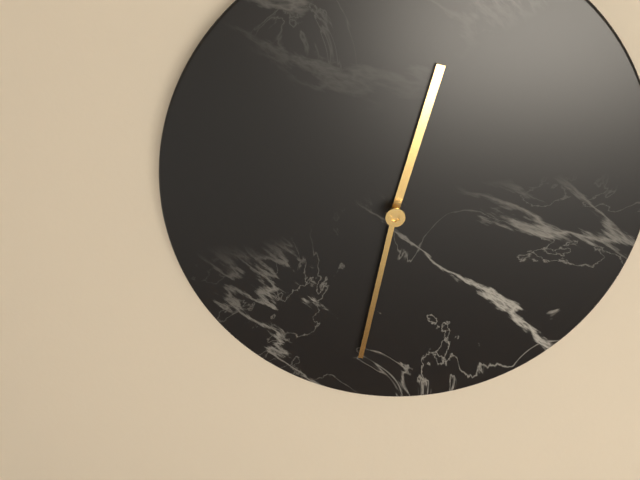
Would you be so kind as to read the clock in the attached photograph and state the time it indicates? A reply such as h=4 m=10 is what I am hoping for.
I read h=12 m=32
